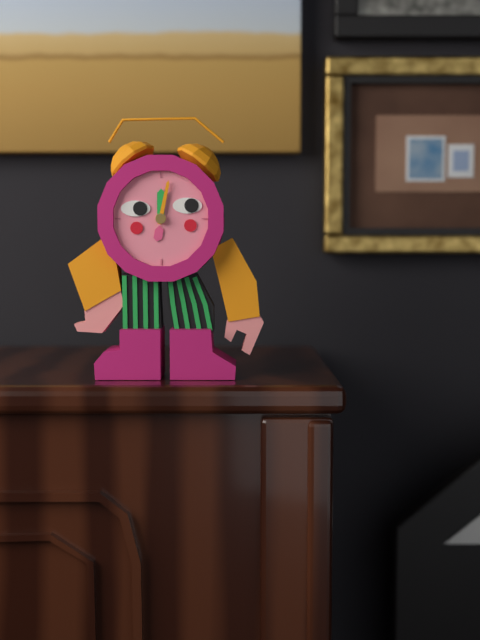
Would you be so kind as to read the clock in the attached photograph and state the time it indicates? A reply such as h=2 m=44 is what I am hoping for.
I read h=12 m=2
